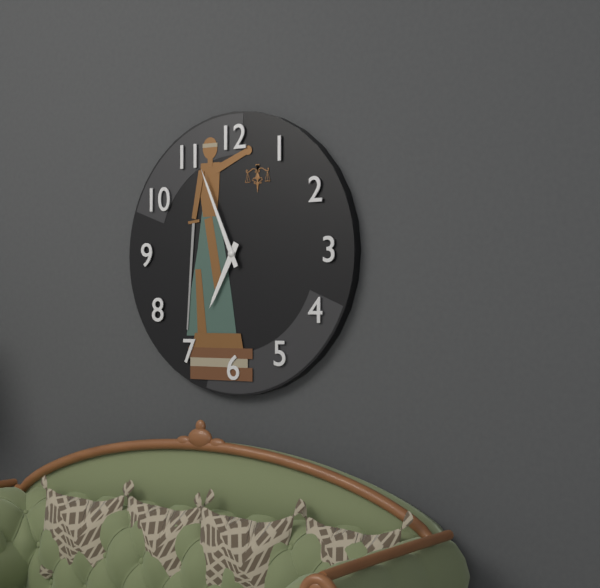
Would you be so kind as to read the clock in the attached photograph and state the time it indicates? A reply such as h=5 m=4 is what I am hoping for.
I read h=6 m=56
